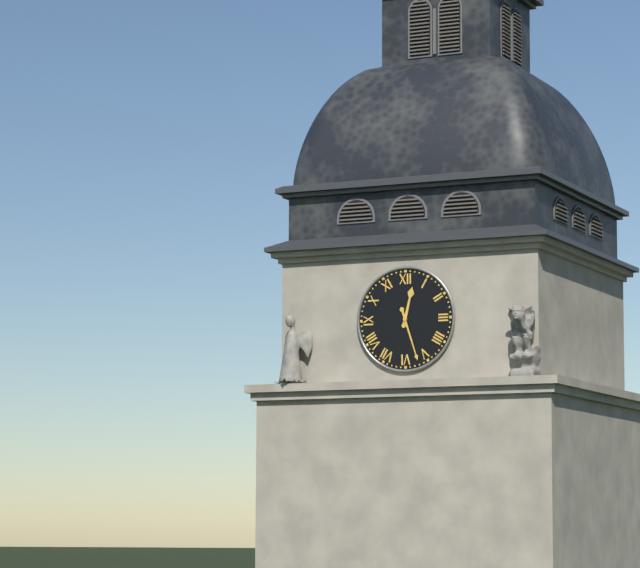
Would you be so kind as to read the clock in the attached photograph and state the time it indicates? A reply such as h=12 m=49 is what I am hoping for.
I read h=12 m=27
